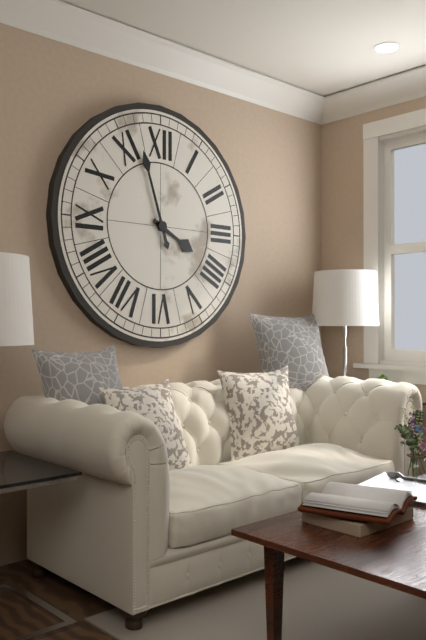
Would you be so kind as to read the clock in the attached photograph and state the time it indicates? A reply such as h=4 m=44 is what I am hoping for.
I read h=3 m=57
